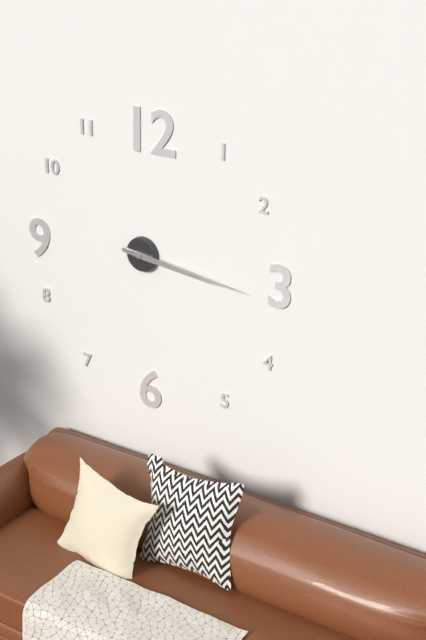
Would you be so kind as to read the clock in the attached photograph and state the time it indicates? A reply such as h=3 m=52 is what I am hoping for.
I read h=3 m=16
